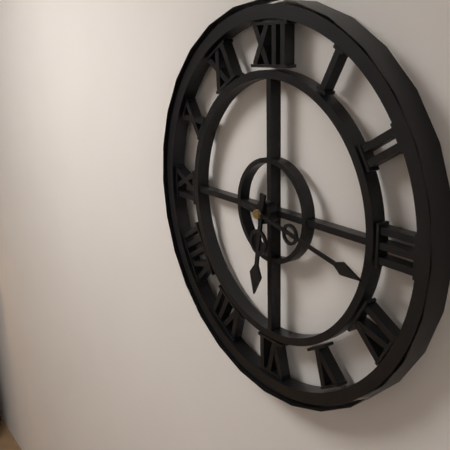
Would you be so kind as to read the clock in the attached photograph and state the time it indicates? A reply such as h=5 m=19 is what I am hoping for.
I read h=6 m=17
